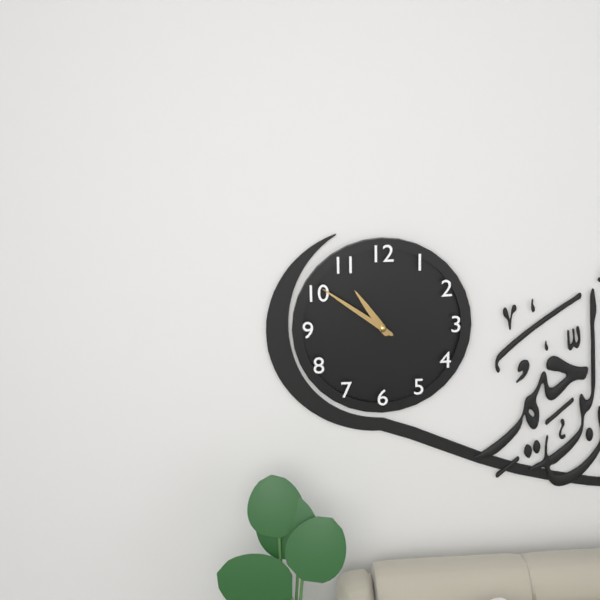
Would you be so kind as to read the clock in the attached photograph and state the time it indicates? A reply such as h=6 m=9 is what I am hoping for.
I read h=10 m=51
